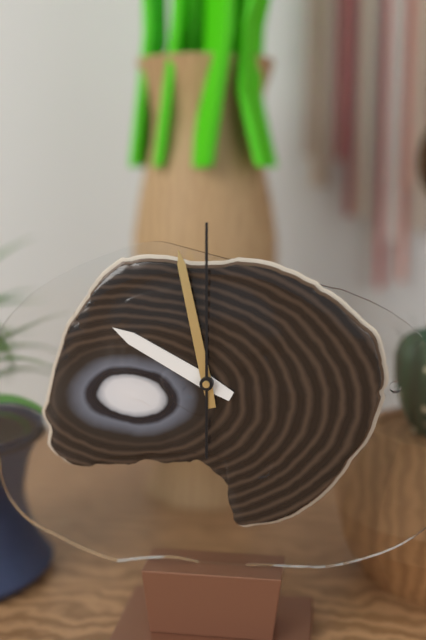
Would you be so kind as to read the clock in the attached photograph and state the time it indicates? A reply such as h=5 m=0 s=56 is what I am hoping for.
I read h=9 m=58 s=0
